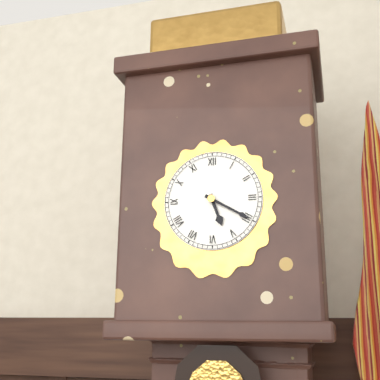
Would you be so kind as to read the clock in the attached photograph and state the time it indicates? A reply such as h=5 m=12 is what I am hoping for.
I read h=5 m=20
